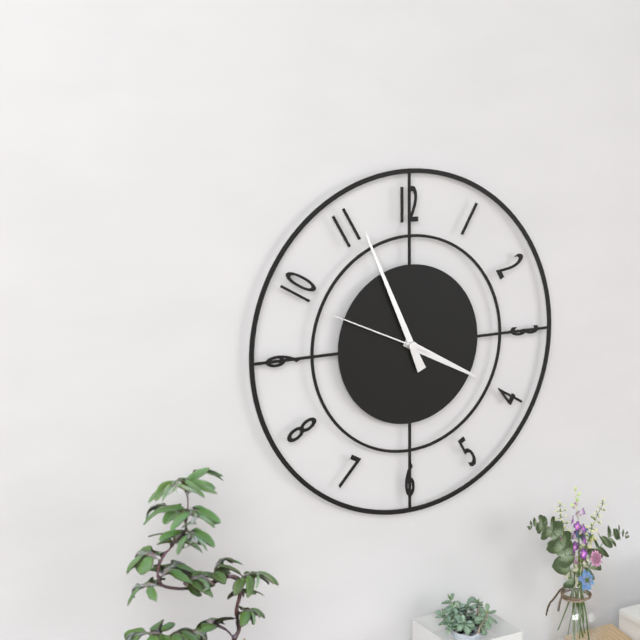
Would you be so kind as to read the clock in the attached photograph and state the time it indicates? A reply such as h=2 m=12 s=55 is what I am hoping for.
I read h=3 m=56 s=49
